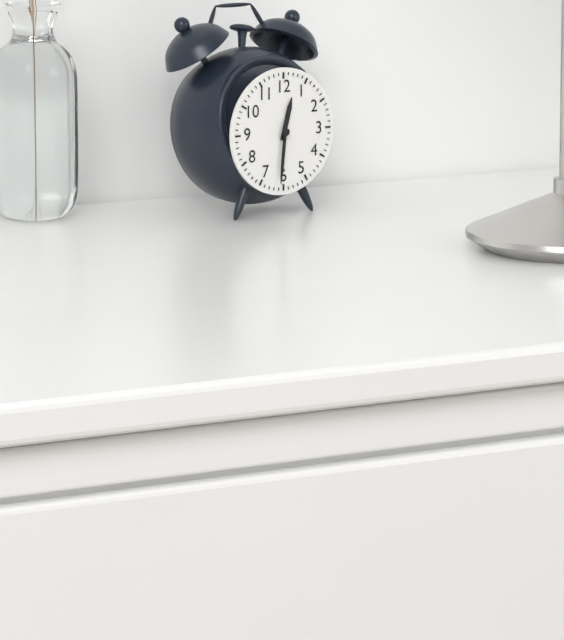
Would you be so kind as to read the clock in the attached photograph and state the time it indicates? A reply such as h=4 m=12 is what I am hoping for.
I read h=12 m=31
